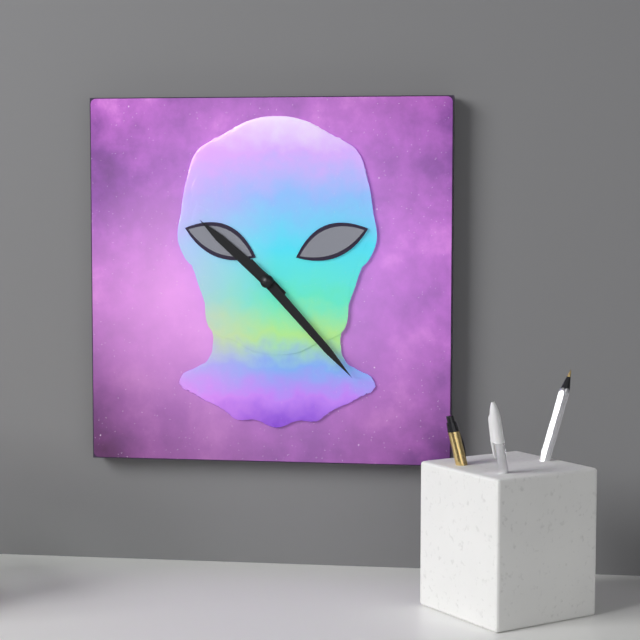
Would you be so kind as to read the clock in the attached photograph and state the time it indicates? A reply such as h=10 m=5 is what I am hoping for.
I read h=10 m=23
